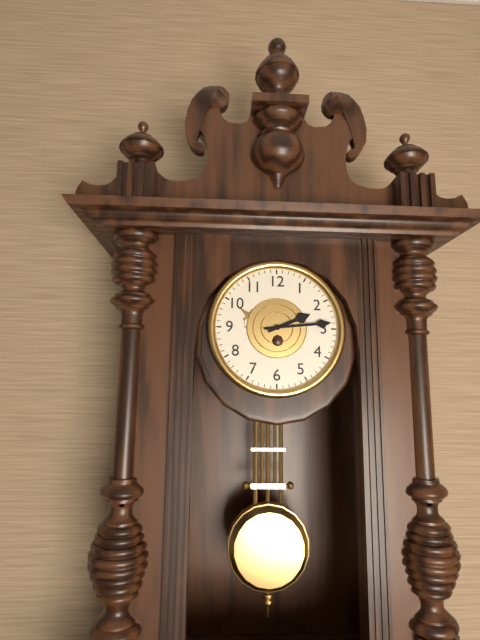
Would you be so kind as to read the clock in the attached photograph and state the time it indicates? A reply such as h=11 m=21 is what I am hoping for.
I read h=2 m=14
